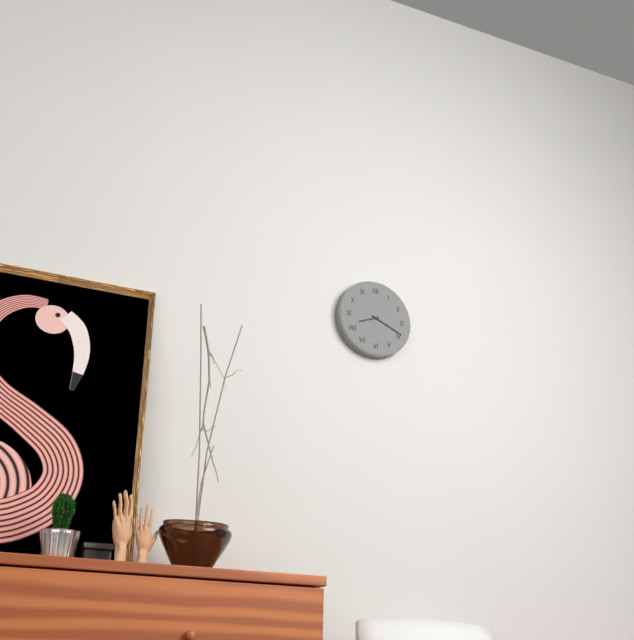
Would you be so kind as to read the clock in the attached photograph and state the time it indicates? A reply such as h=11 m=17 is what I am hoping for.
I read h=8 m=19
